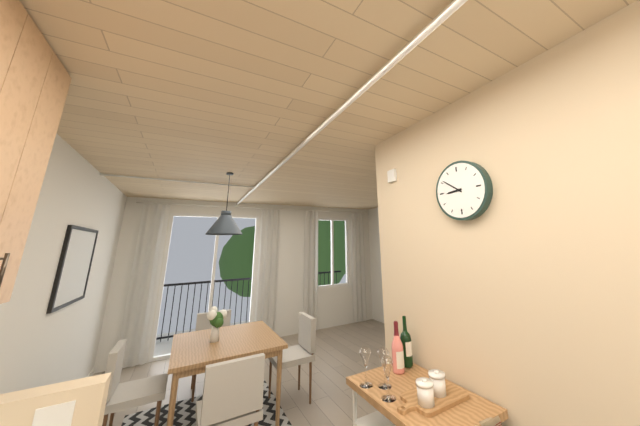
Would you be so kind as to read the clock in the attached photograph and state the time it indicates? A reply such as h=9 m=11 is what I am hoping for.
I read h=8 m=51
